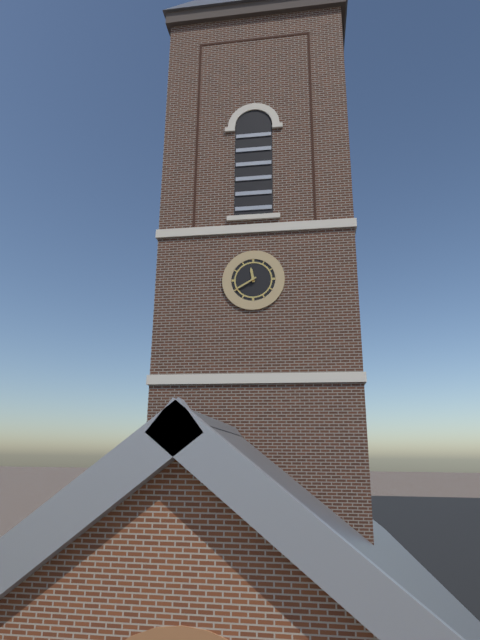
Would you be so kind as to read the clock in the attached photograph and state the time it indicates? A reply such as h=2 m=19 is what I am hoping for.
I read h=11 m=40
